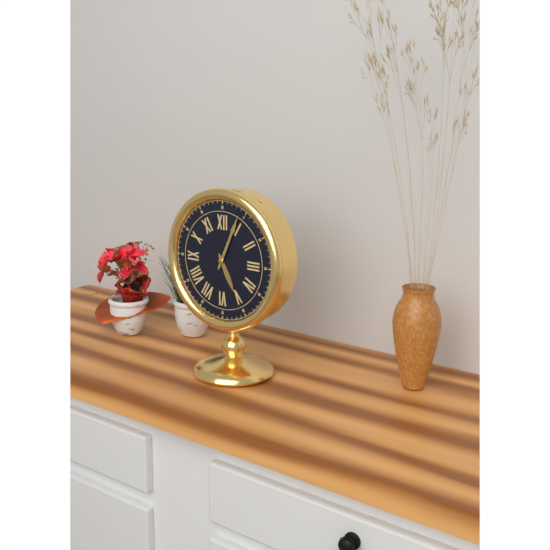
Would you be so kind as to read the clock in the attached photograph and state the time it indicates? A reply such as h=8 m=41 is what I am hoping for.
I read h=5 m=4
